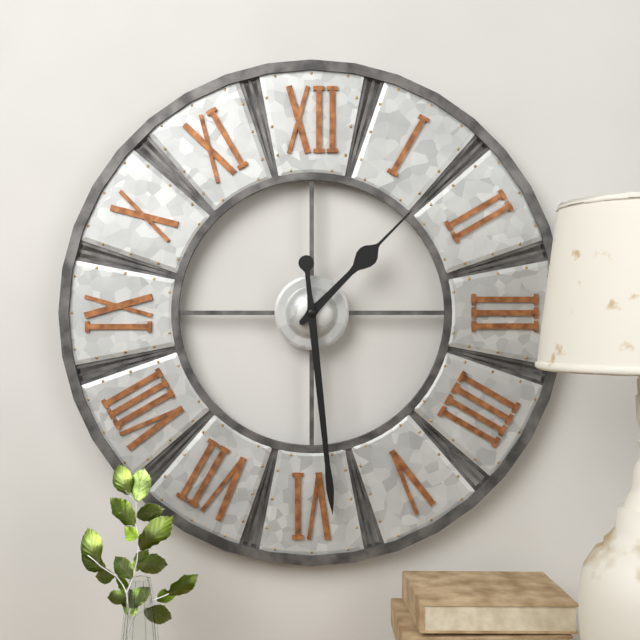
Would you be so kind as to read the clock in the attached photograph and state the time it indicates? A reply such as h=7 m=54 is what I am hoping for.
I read h=1 m=29
